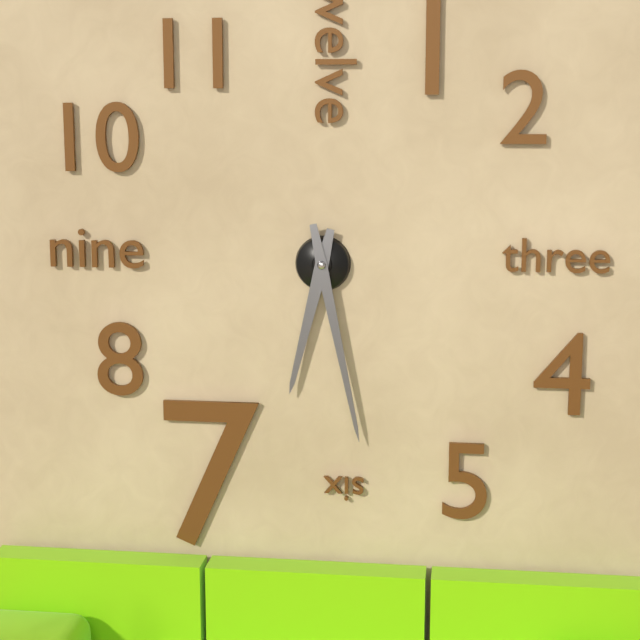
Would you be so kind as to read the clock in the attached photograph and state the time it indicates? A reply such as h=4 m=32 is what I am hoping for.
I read h=6 m=28
